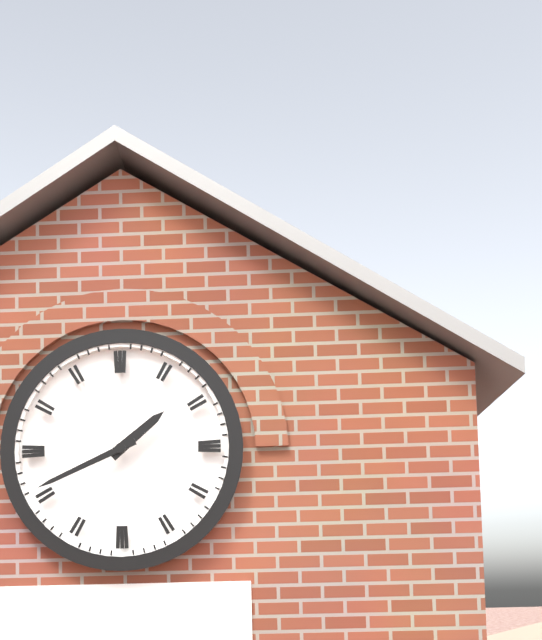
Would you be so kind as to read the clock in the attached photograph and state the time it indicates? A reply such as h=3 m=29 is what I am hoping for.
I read h=1 m=41
